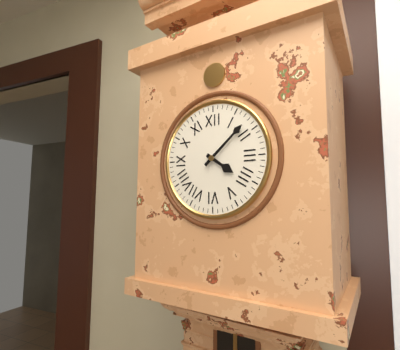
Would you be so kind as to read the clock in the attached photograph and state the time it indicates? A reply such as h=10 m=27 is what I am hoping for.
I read h=4 m=8
